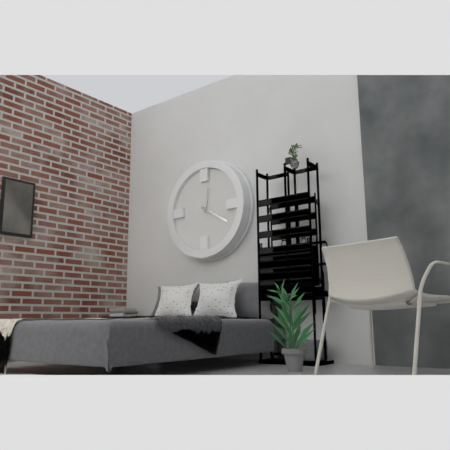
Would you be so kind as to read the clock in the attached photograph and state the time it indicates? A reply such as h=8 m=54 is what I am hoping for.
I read h=12 m=20
